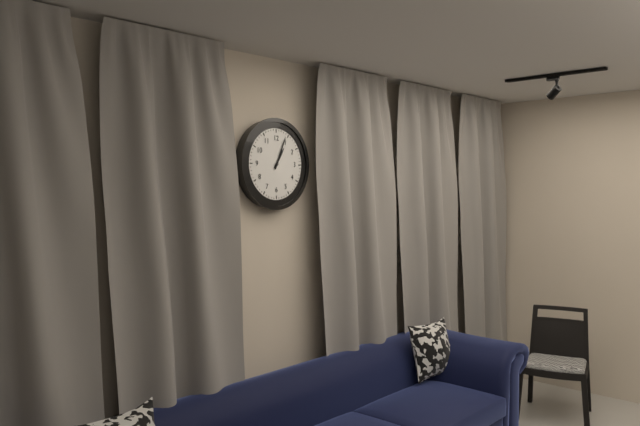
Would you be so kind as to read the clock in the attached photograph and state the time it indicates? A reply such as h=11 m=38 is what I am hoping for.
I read h=1 m=4
